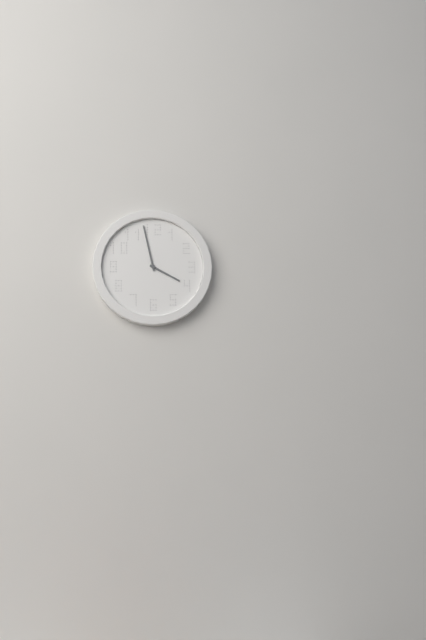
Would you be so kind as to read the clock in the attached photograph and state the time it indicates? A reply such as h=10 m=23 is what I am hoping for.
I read h=3 m=58
